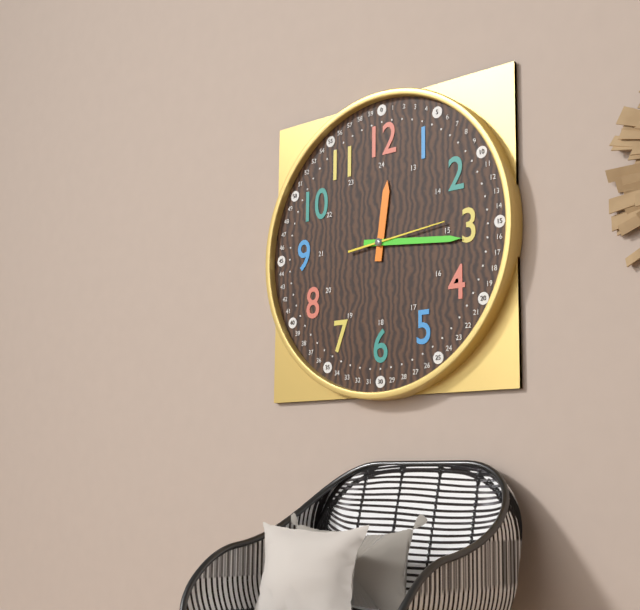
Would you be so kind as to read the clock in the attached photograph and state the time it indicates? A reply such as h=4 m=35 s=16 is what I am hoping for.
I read h=12 m=16 s=14
